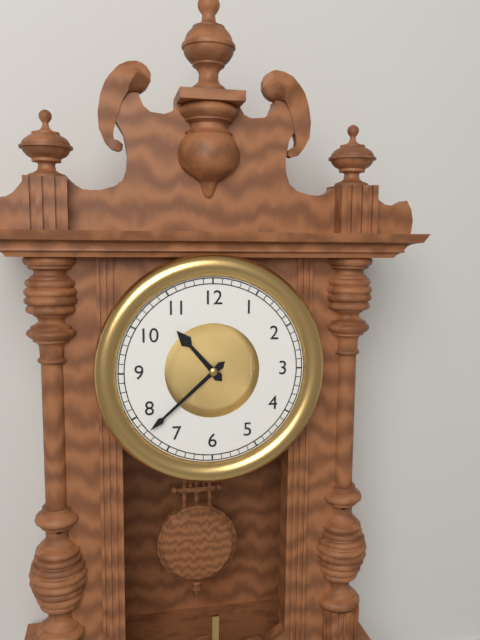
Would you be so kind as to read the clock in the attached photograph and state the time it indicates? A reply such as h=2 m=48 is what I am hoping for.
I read h=10 m=38
